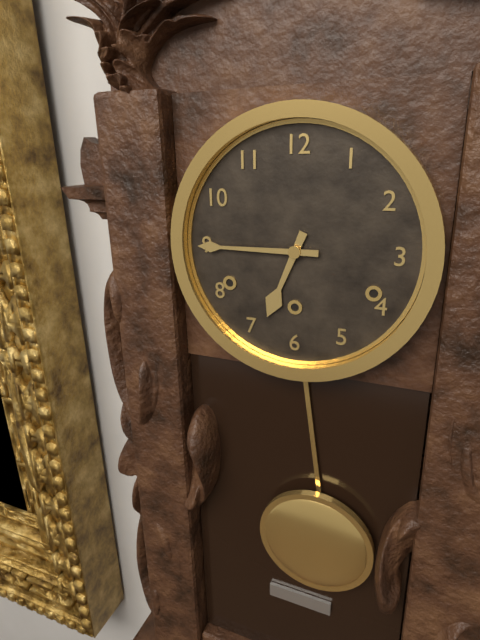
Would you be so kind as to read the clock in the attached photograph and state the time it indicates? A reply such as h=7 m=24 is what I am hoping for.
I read h=6 m=45
